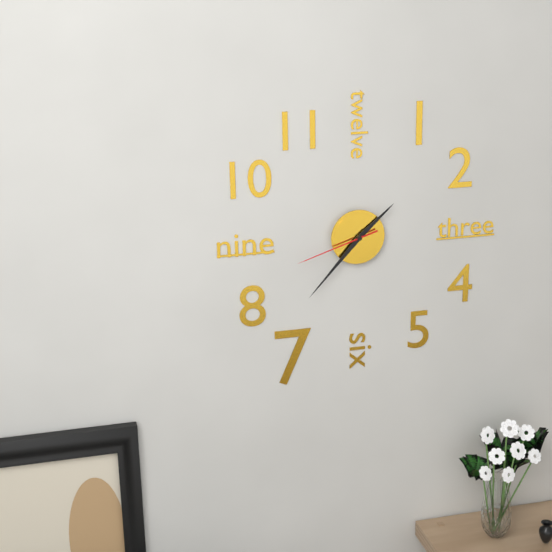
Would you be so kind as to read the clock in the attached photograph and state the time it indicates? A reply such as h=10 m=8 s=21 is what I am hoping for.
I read h=1 m=37 s=42
